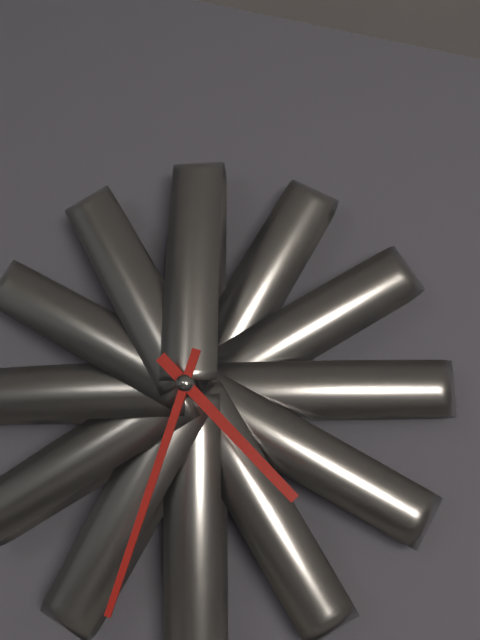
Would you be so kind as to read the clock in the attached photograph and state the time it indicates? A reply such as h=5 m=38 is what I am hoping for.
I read h=4 m=33
